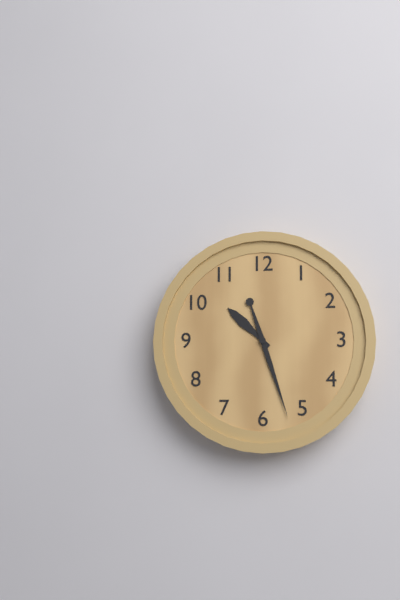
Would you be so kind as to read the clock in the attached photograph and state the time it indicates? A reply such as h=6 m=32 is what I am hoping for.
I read h=10 m=27
